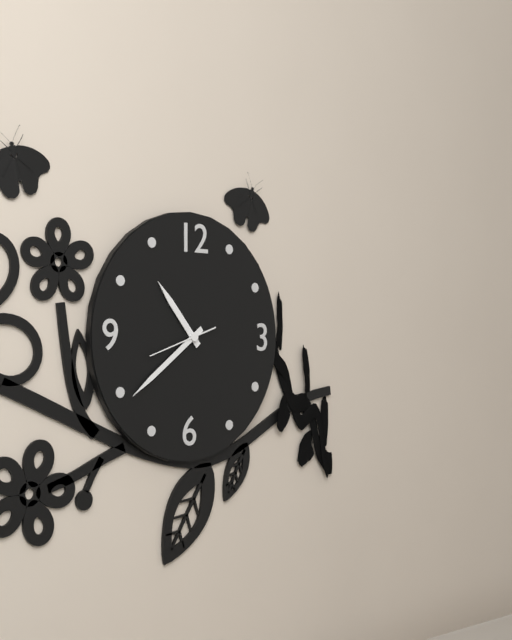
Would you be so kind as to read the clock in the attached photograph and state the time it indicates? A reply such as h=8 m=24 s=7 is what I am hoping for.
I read h=10 m=39 s=42
